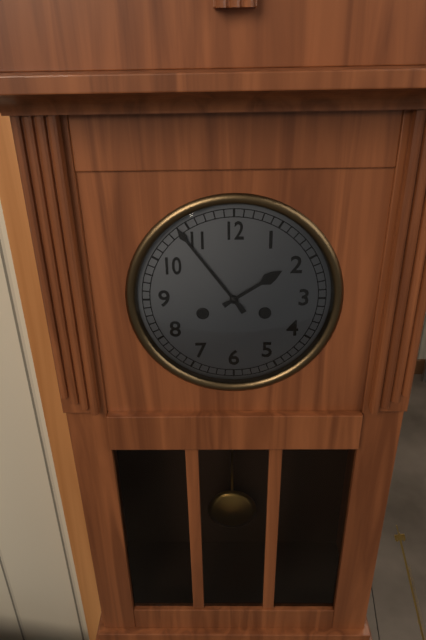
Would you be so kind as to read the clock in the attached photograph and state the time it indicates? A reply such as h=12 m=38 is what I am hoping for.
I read h=1 m=54
